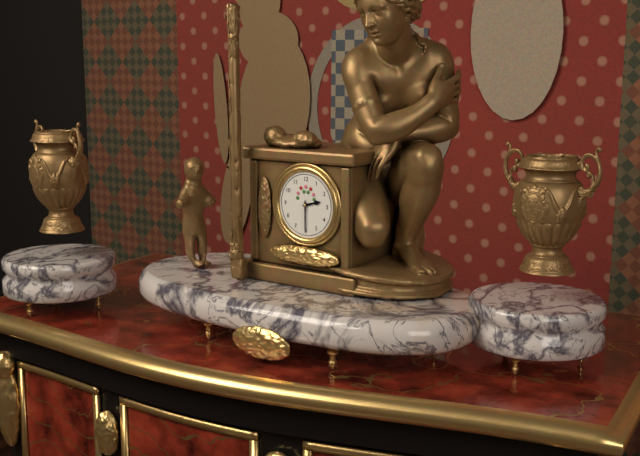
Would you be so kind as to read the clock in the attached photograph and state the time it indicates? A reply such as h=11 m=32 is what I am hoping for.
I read h=2 m=30
